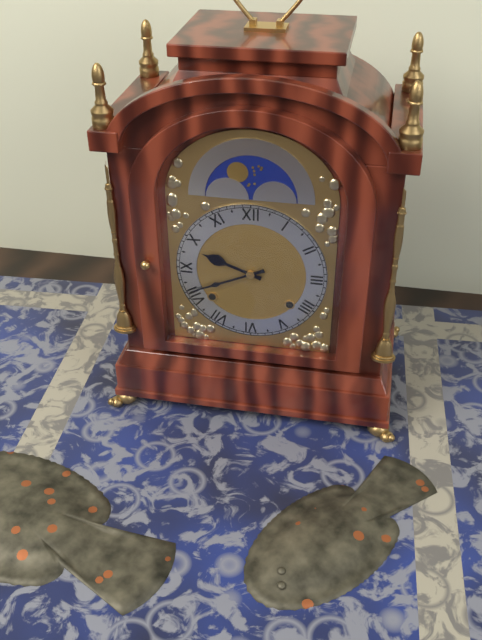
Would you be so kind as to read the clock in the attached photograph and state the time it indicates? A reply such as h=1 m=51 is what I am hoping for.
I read h=9 m=41
